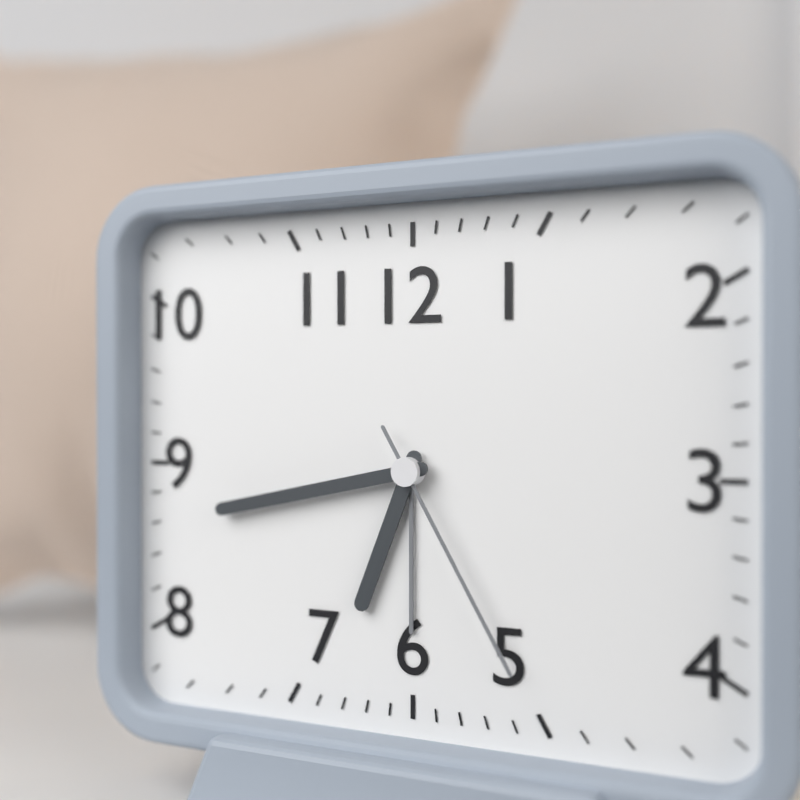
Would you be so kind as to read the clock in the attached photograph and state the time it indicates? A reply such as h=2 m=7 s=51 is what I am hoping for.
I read h=6 m=43 s=25
